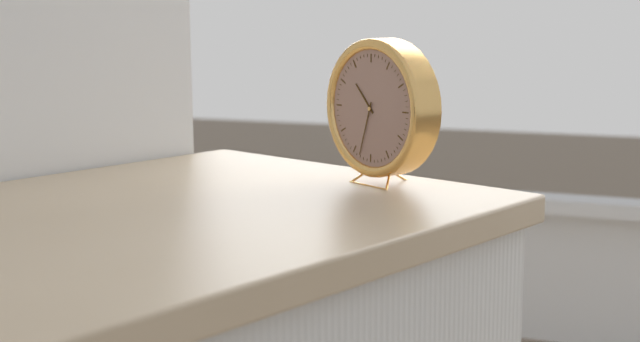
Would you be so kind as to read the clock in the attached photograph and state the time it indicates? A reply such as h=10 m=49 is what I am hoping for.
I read h=10 m=33
